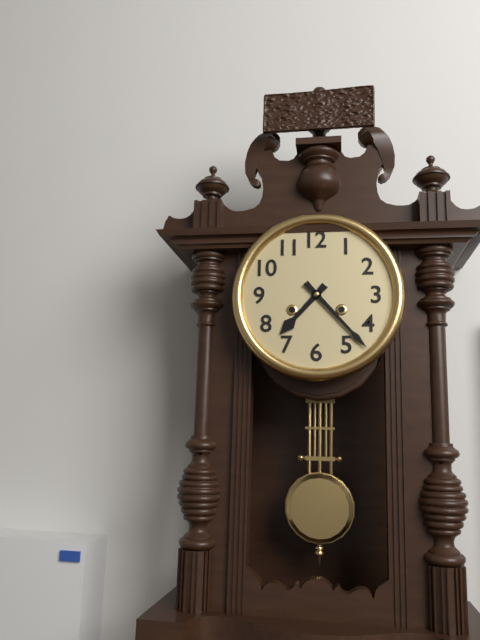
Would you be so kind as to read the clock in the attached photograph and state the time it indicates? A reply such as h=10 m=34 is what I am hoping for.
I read h=7 m=23
